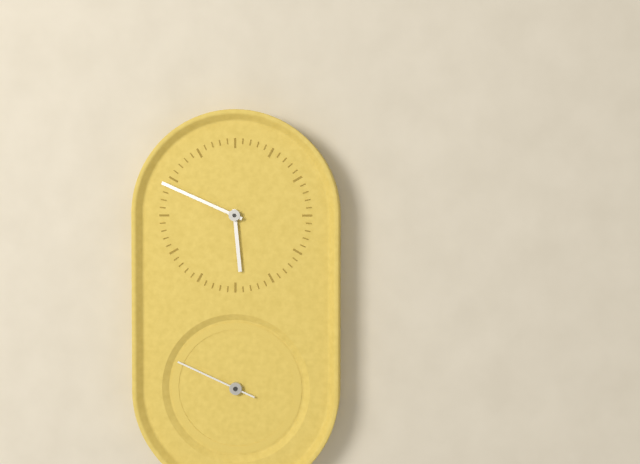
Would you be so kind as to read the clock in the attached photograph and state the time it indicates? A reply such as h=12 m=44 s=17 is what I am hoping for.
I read h=5 m=49 s=49
